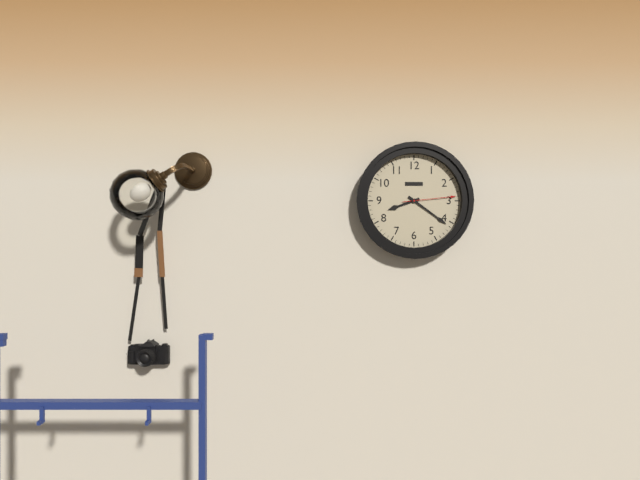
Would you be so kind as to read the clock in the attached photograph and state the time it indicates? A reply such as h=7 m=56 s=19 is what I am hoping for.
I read h=8 m=21 s=14
